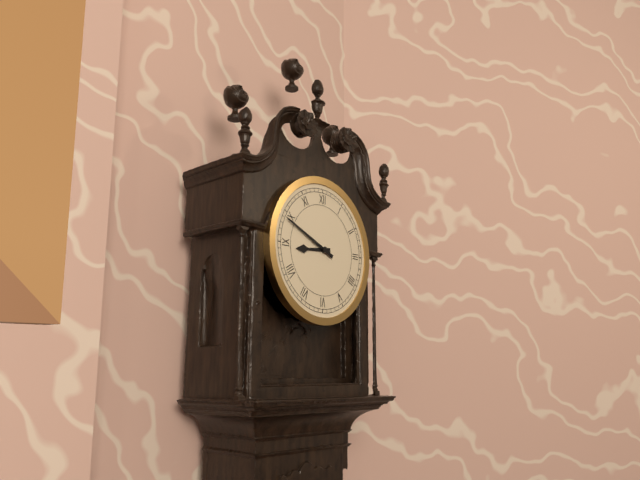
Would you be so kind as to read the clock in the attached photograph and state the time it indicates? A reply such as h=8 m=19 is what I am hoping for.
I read h=8 m=49
